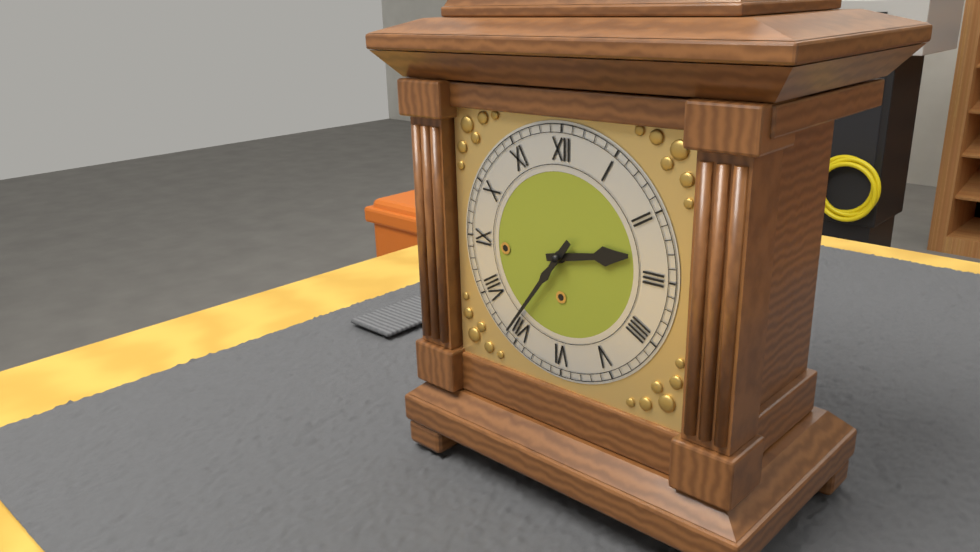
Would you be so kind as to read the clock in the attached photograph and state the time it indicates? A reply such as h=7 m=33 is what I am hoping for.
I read h=2 m=36
